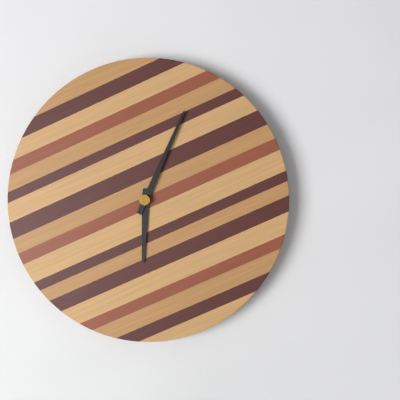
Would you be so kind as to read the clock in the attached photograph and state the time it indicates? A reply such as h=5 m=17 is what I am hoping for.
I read h=6 m=4
